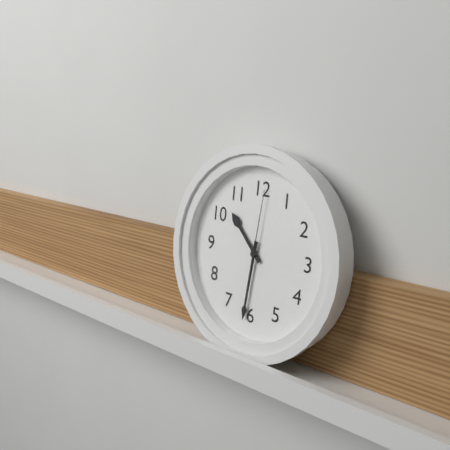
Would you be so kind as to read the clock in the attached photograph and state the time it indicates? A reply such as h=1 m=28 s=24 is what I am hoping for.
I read h=10 m=31 s=1
